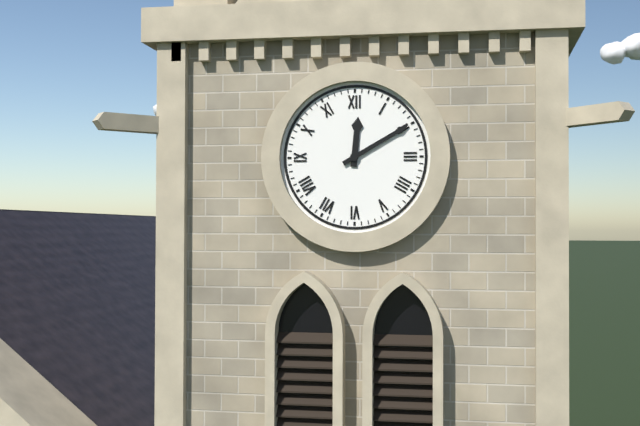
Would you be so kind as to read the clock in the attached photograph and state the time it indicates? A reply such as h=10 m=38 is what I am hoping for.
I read h=12 m=10
